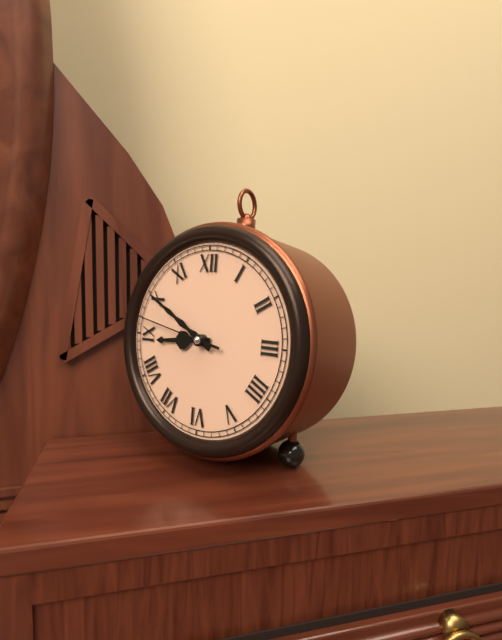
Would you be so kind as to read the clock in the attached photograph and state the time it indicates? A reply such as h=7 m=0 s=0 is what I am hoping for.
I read h=8 m=50 s=47
